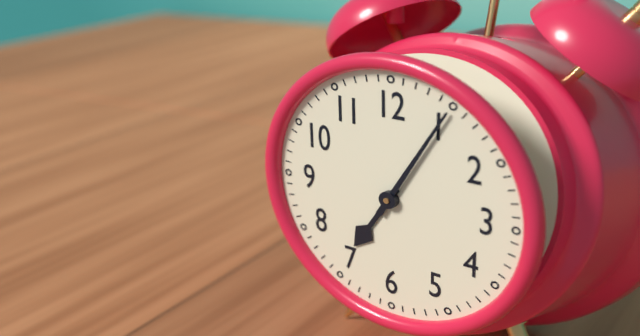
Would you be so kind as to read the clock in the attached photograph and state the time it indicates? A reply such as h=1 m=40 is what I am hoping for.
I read h=7 m=5
